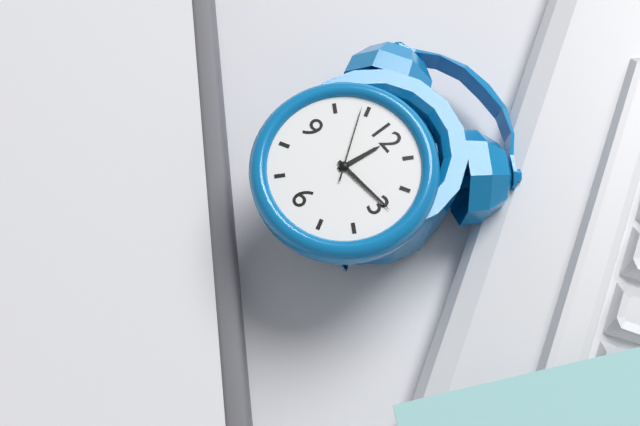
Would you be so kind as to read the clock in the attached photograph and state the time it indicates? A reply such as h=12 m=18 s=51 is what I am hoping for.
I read h=12 m=14 s=54
